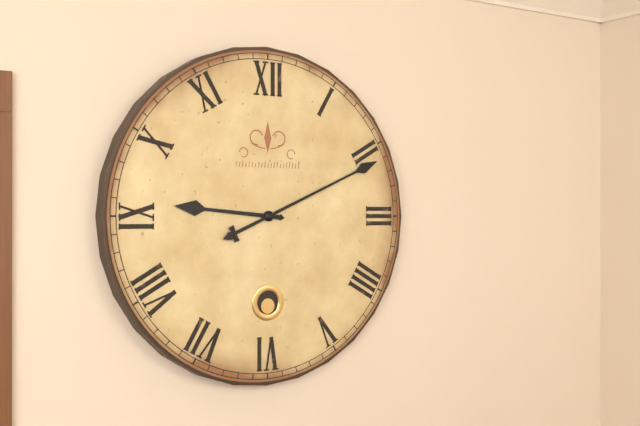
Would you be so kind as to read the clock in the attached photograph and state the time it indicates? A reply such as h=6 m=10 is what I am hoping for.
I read h=9 m=11
